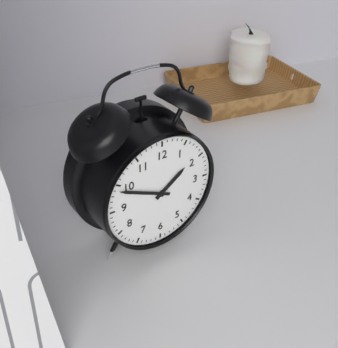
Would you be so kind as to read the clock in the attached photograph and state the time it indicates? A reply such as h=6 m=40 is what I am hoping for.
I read h=1 m=49
